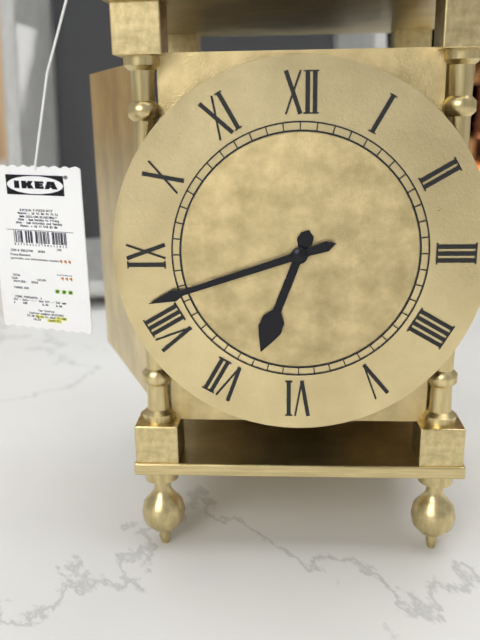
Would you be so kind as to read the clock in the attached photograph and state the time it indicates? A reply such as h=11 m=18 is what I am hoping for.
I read h=6 m=42
